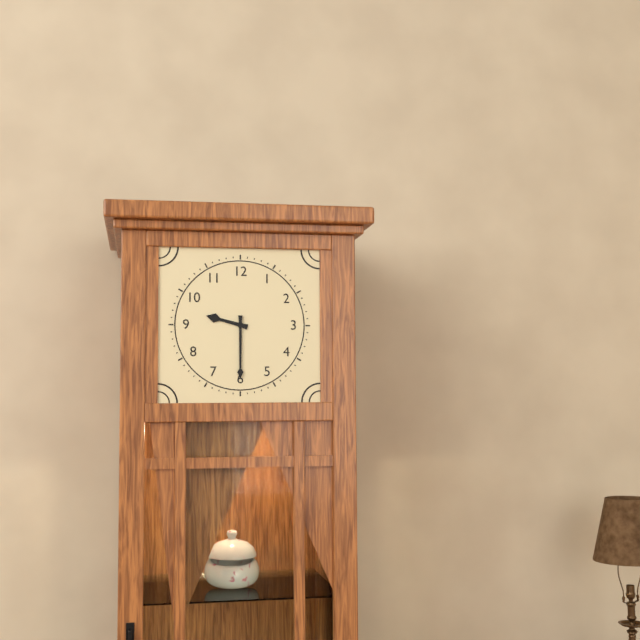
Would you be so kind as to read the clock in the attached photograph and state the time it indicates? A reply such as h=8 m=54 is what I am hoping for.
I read h=9 m=30
